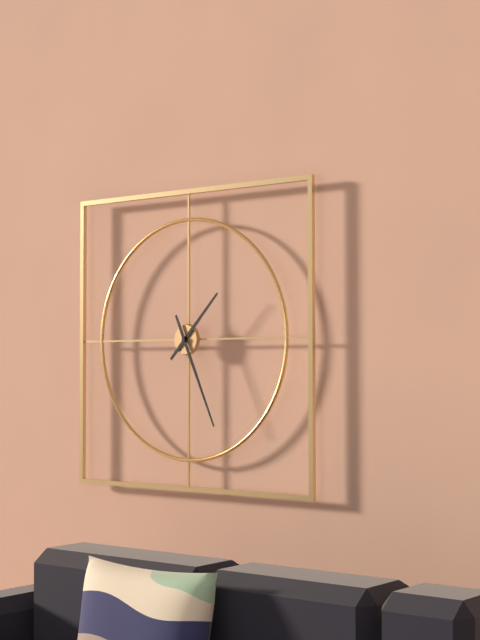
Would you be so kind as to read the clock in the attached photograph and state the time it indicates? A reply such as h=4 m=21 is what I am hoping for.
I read h=1 m=26
